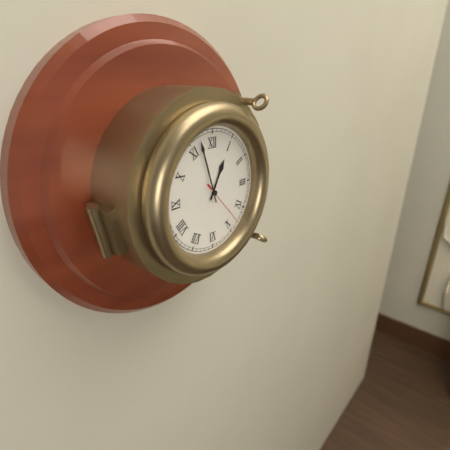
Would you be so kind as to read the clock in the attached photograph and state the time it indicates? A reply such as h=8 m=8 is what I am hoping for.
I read h=12 m=57
